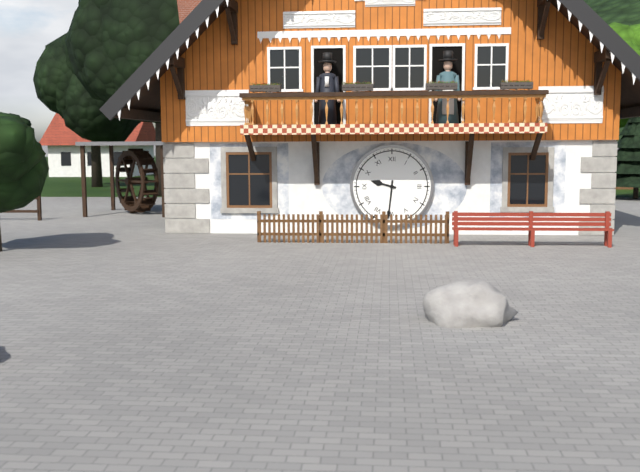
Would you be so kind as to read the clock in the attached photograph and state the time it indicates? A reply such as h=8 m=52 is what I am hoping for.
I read h=9 m=31
